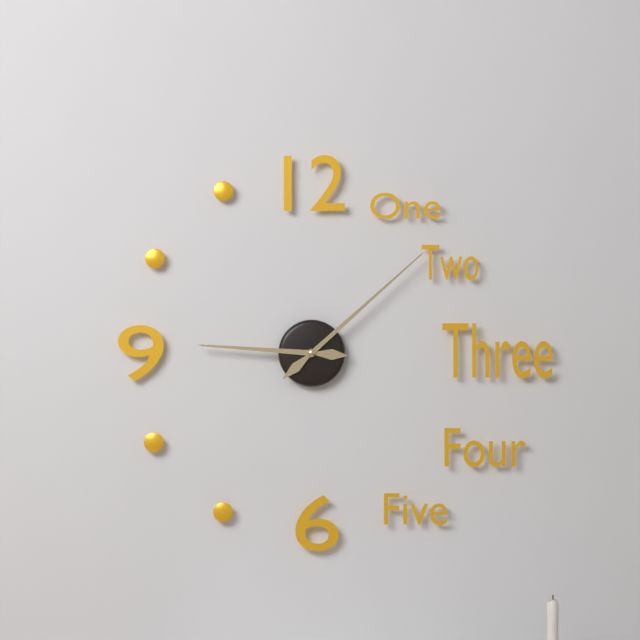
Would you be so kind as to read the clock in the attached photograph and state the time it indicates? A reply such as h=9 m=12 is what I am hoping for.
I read h=9 m=8
